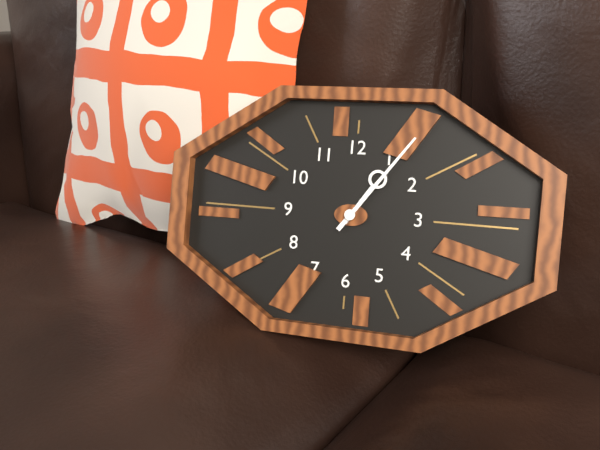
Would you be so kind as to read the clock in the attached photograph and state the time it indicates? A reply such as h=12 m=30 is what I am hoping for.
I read h=1 m=6
